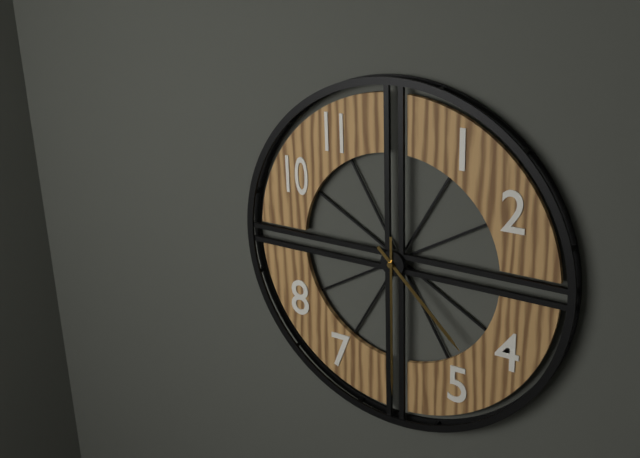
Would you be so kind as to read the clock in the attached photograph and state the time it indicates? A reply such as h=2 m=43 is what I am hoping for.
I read h=4 m=30
